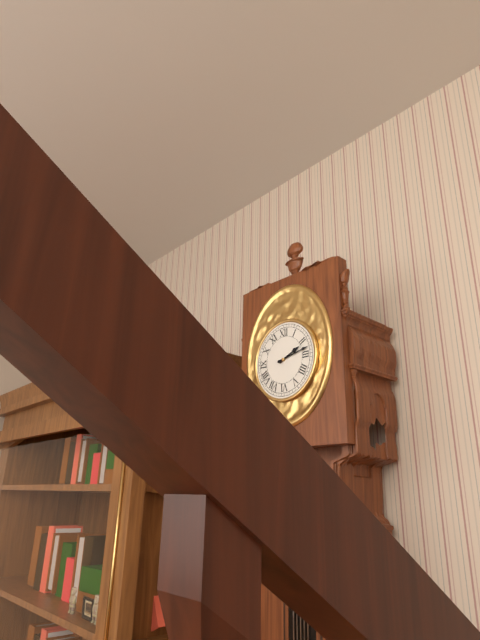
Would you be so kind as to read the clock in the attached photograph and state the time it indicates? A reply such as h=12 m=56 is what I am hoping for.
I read h=2 m=13
